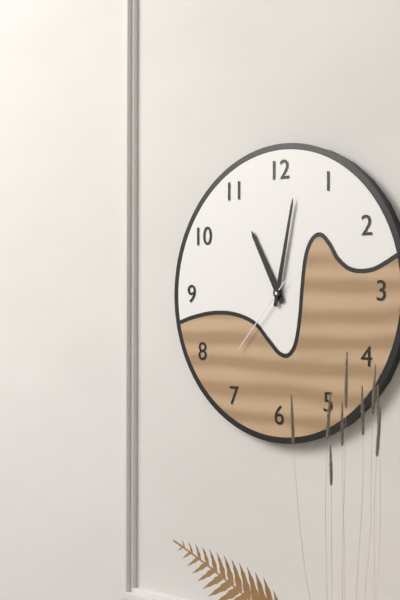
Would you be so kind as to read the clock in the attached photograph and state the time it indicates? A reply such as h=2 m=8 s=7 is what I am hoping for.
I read h=11 m=2 s=37
